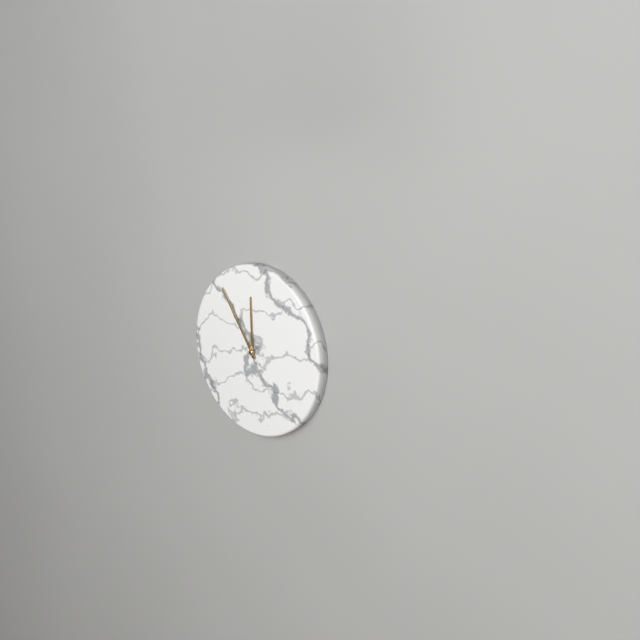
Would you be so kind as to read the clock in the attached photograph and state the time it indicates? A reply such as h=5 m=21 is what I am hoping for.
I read h=11 m=54
